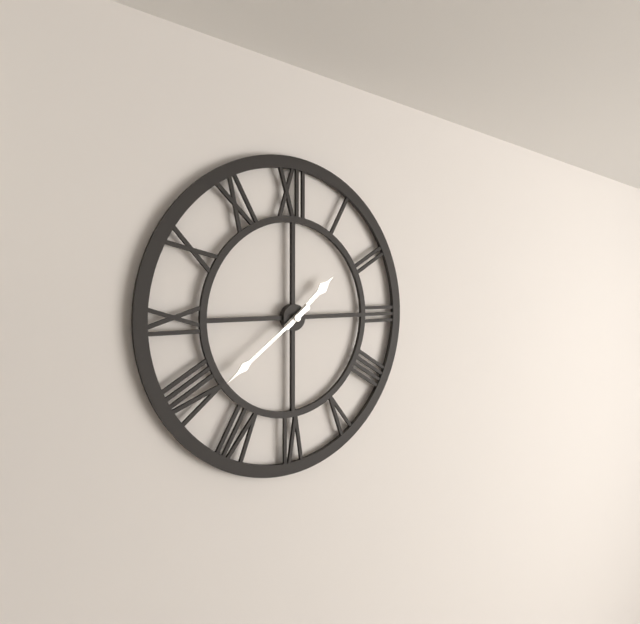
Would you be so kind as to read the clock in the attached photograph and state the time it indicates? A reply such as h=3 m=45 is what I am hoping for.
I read h=1 m=39
